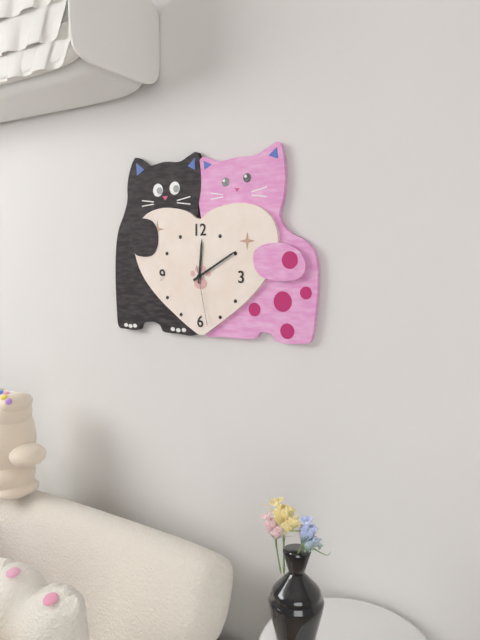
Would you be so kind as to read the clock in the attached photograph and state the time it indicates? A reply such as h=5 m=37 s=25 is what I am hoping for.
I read h=12 m=10 s=28
